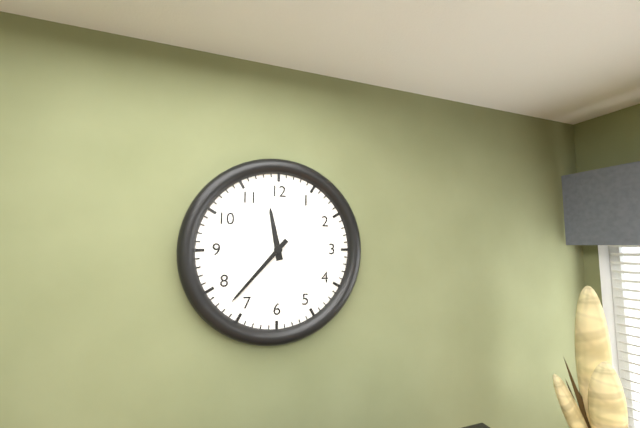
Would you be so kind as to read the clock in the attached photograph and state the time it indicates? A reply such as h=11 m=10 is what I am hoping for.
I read h=11 m=37
